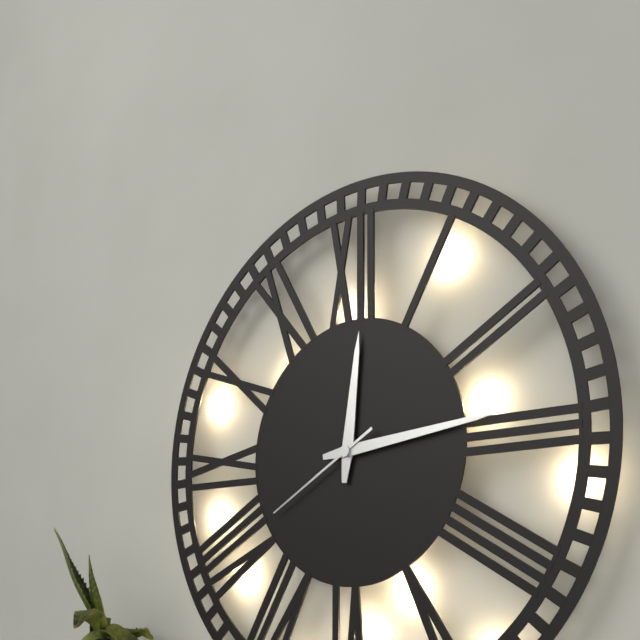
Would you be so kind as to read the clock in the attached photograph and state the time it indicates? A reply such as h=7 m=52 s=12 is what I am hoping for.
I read h=12 m=14 s=40
